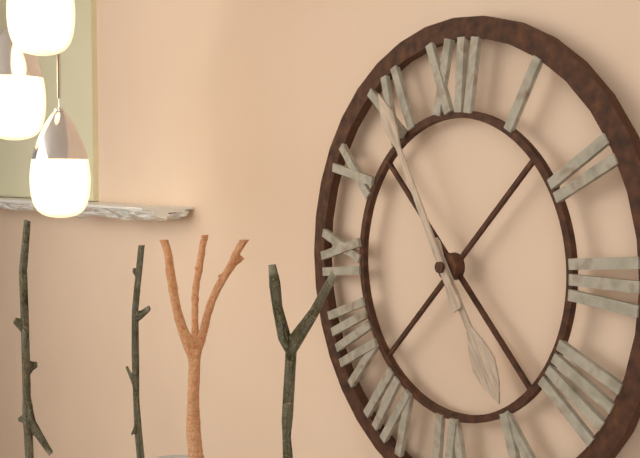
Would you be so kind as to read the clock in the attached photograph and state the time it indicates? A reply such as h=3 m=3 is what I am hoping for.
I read h=4 m=55
